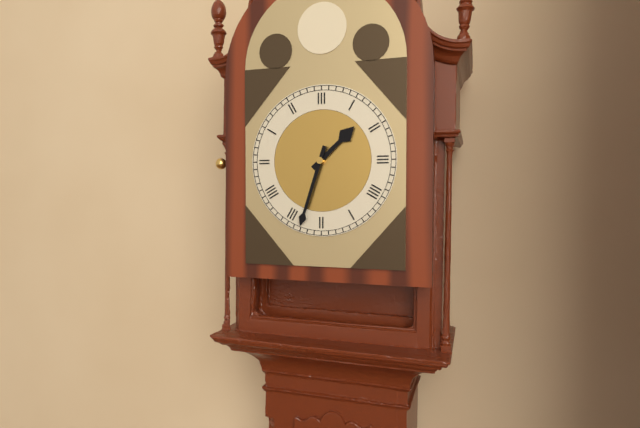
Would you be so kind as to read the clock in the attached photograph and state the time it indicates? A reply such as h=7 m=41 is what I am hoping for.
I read h=1 m=33
